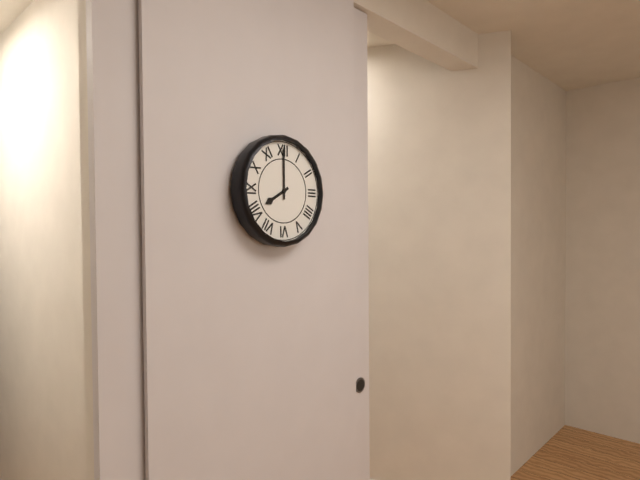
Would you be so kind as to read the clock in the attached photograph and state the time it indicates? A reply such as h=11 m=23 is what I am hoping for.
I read h=8 m=0
